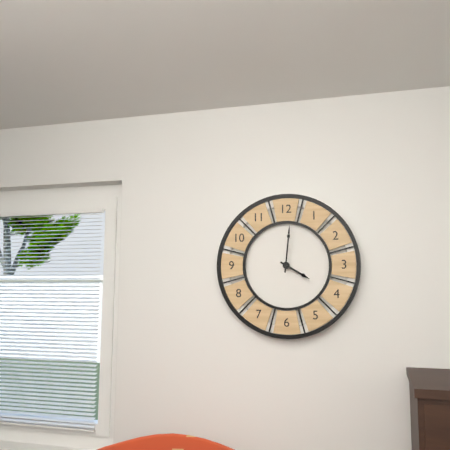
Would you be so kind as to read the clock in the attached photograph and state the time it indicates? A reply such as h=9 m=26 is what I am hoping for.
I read h=4 m=1
